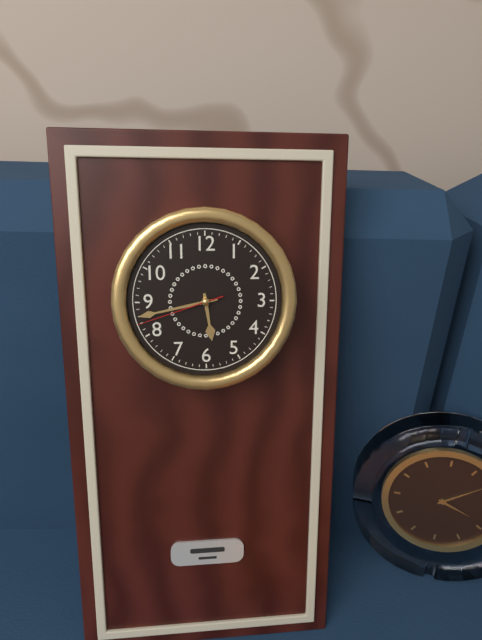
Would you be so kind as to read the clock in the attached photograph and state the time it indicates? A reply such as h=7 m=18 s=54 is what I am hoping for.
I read h=5 m=43 s=42
